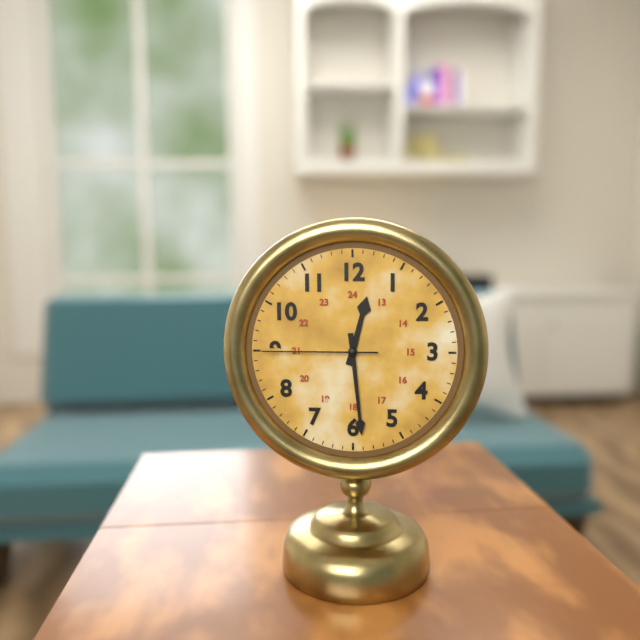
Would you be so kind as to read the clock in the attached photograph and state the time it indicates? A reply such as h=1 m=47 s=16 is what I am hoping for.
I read h=12 m=29 s=45
